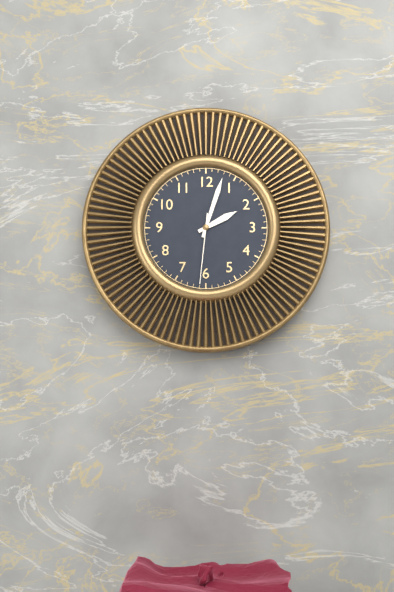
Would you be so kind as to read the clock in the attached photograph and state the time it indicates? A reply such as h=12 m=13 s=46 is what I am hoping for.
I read h=2 m=3 s=31
